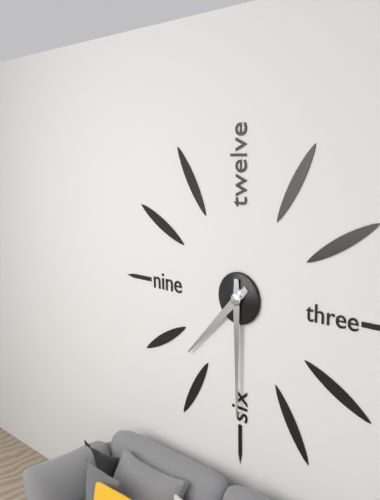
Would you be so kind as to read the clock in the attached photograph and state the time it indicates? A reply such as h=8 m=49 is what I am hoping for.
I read h=7 m=30
